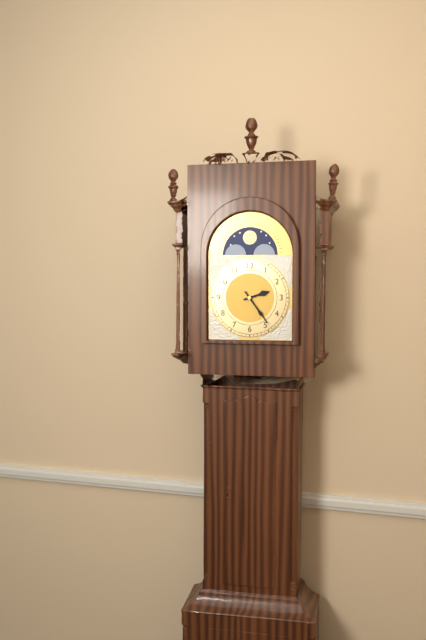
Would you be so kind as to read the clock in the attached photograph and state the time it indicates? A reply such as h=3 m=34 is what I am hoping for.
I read h=2 m=24
